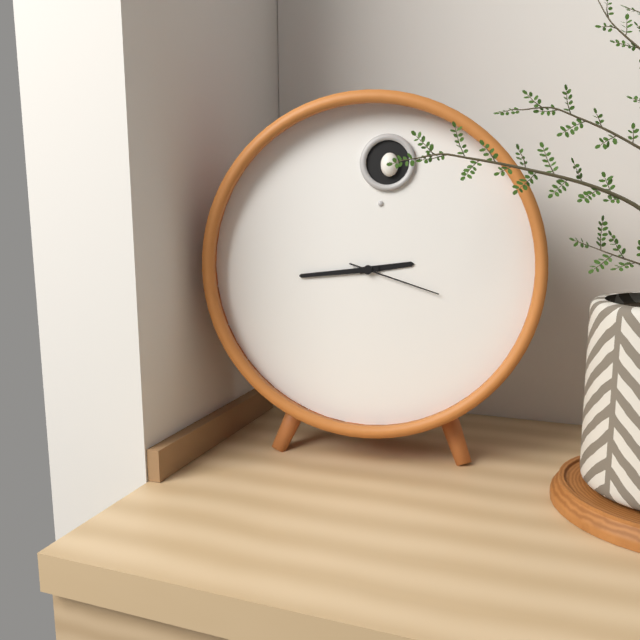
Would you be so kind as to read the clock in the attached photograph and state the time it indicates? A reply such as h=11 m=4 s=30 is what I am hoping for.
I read h=2 m=44 s=18
